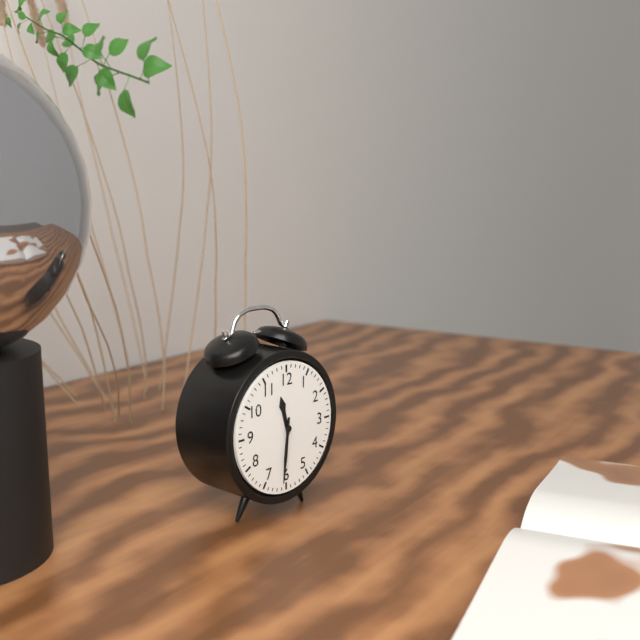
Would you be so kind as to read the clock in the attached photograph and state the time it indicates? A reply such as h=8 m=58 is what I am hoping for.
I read h=11 m=31
